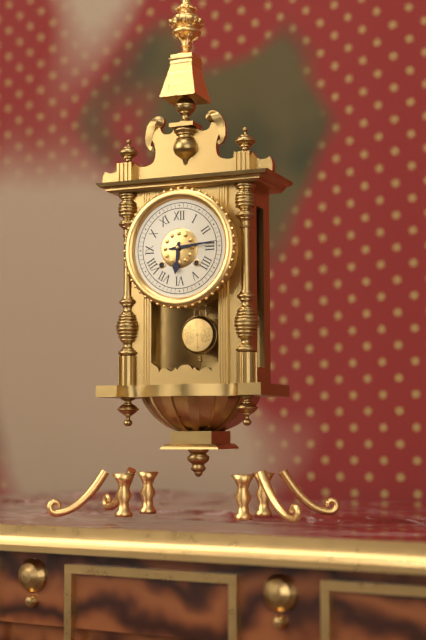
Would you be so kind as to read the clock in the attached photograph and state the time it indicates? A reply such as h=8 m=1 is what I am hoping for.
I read h=6 m=14
